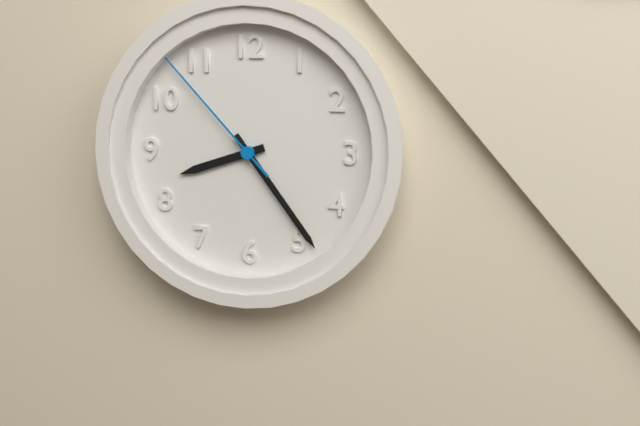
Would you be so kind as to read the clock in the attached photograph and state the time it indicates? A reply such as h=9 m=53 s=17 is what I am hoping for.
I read h=8 m=24 s=53
